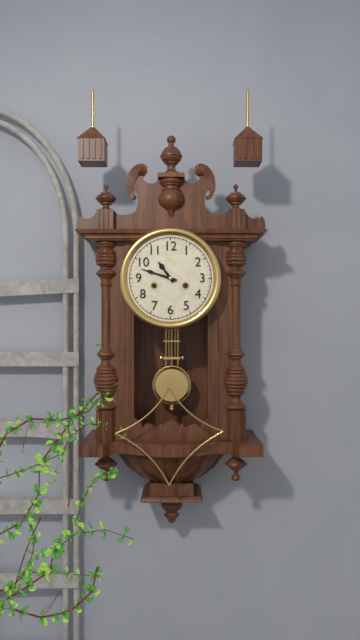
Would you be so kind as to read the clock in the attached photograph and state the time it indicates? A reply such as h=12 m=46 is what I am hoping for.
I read h=10 m=48
